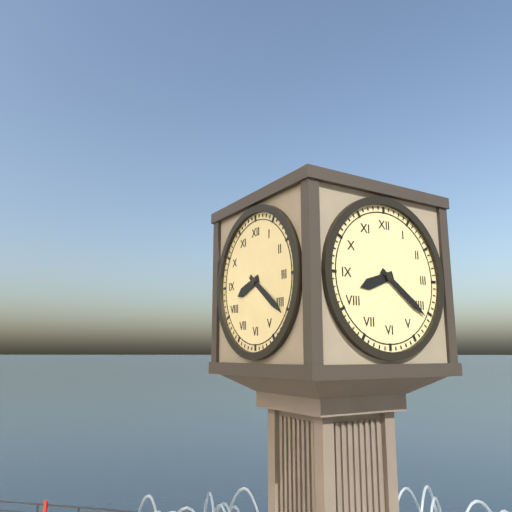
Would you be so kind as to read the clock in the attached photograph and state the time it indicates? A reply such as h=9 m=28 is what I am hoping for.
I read h=8 m=21
